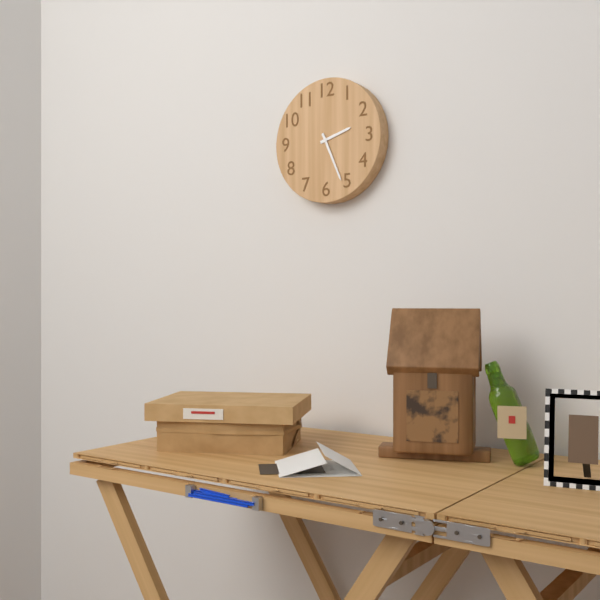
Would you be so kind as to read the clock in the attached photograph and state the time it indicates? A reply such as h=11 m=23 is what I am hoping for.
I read h=2 m=26
